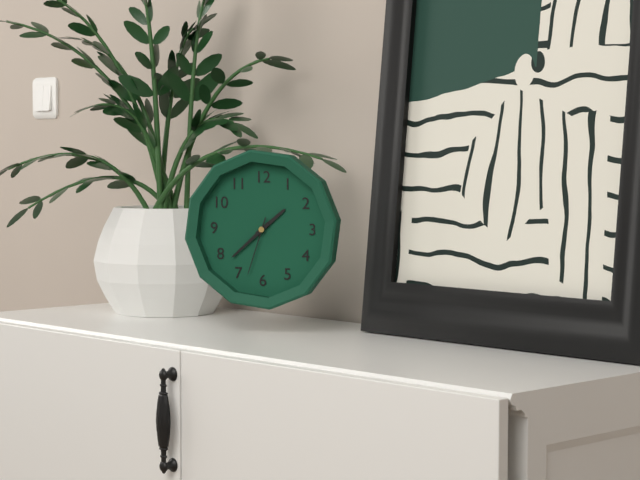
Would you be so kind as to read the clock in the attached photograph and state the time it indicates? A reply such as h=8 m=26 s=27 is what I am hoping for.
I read h=1 m=38 s=33
